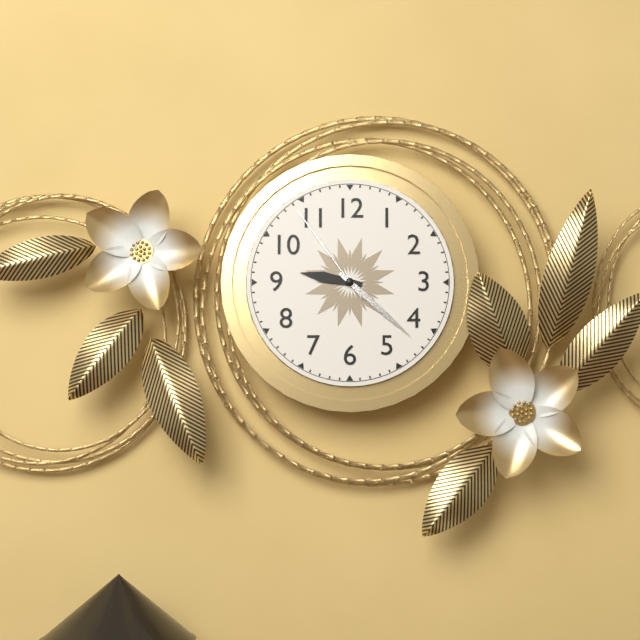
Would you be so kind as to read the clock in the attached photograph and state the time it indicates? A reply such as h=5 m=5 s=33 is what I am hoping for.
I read h=9 m=22 s=54
